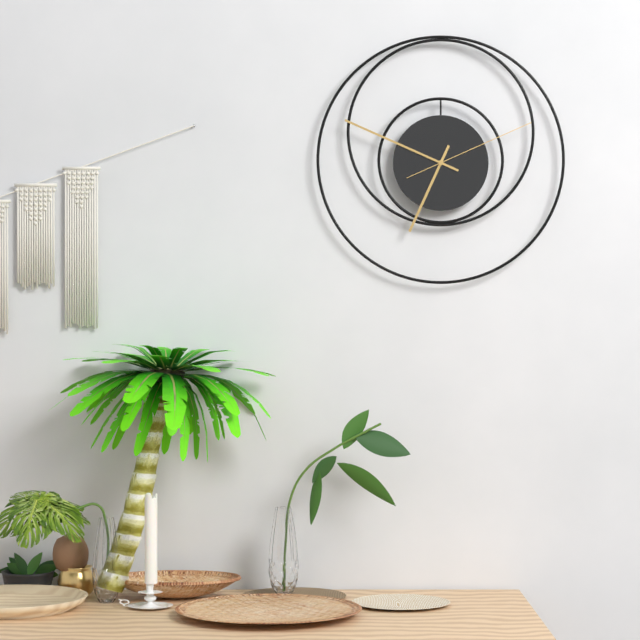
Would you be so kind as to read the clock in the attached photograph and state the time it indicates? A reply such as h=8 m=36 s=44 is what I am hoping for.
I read h=6 m=49 s=11
